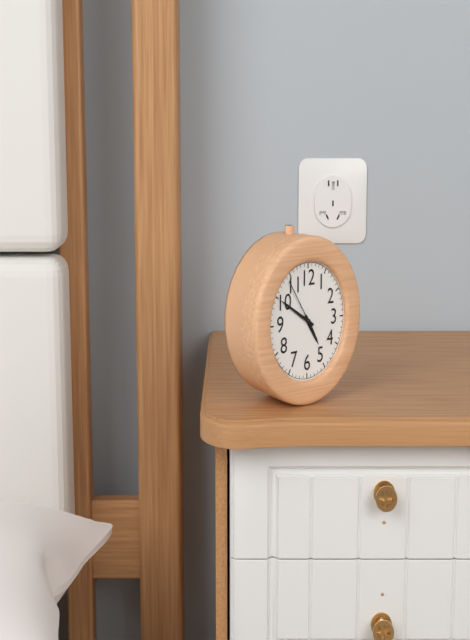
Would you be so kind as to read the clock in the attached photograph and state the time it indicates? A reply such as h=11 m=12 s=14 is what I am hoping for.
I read h=4 m=50 s=54
